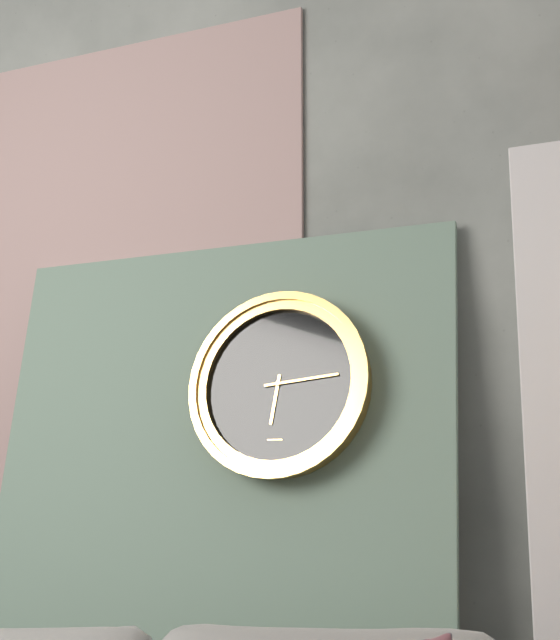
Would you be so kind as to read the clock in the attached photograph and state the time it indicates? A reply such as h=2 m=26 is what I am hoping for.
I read h=6 m=14
